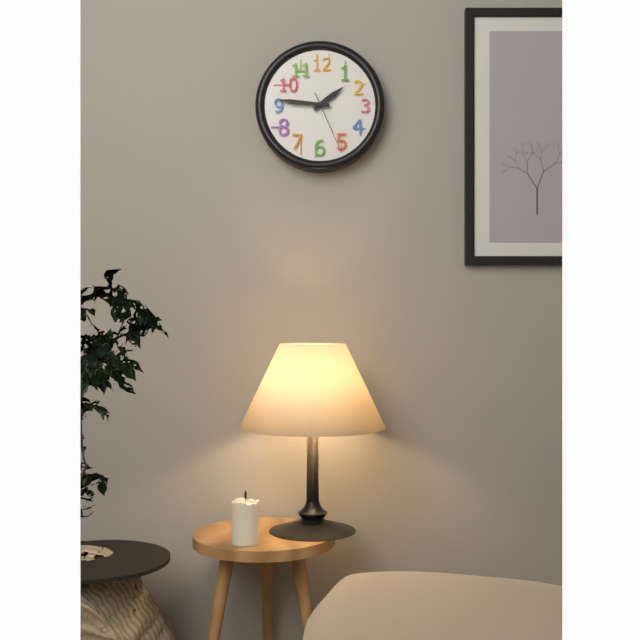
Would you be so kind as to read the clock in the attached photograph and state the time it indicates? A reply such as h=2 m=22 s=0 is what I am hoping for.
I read h=1 m=46 s=26
